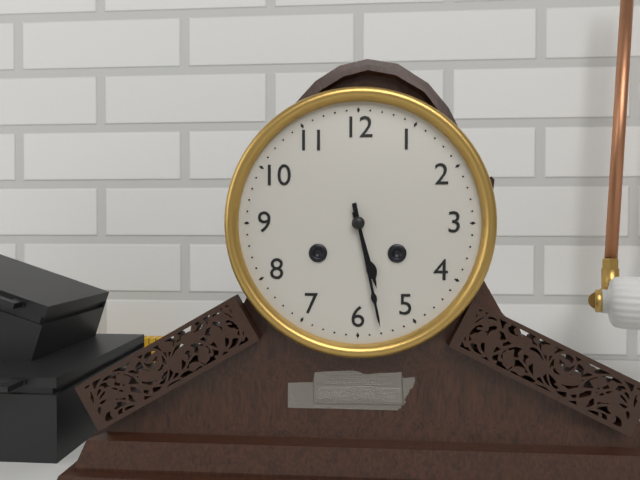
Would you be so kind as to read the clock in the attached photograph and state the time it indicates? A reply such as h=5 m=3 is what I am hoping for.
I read h=5 m=28
